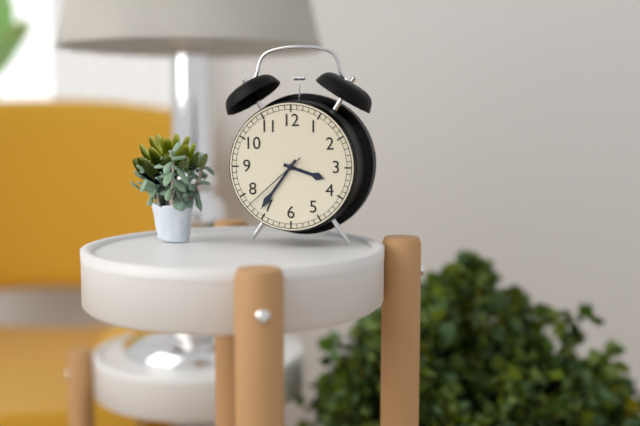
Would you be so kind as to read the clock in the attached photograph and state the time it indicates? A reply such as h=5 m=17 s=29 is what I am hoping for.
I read h=3 m=36 s=38
